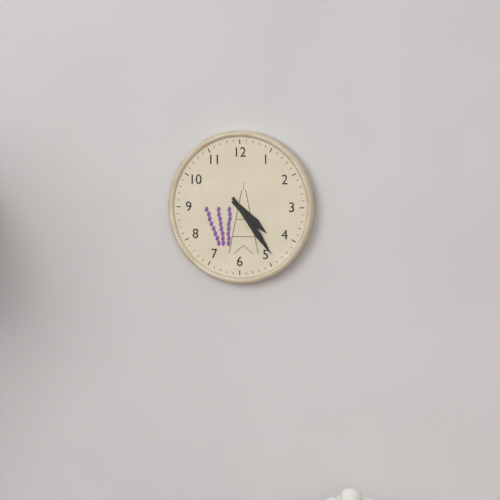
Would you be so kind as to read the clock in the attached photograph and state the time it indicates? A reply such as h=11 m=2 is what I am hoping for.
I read h=4 m=24
